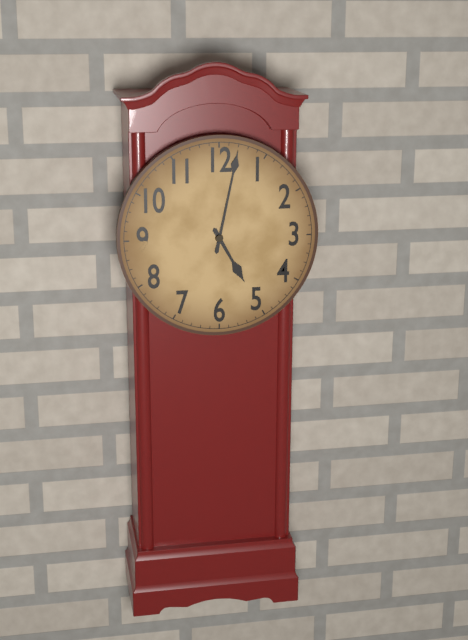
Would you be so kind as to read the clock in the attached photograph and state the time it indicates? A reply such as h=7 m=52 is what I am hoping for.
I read h=5 m=2
